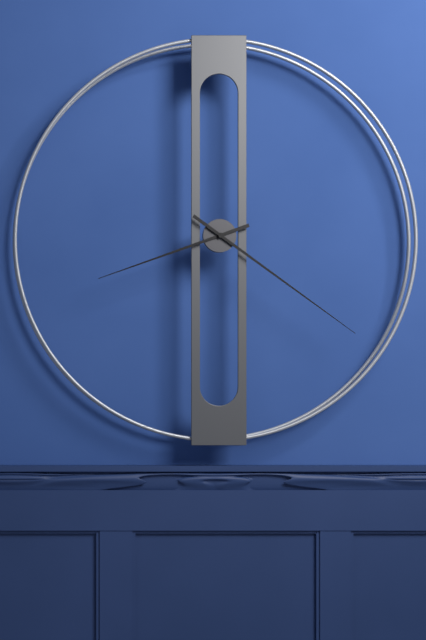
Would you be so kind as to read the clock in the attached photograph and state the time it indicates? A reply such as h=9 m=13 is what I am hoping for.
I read h=8 m=21
